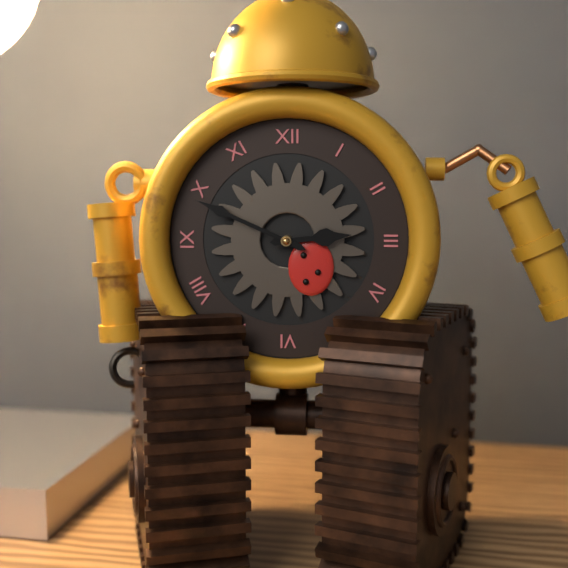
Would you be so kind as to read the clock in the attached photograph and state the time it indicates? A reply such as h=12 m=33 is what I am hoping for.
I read h=2 m=49
